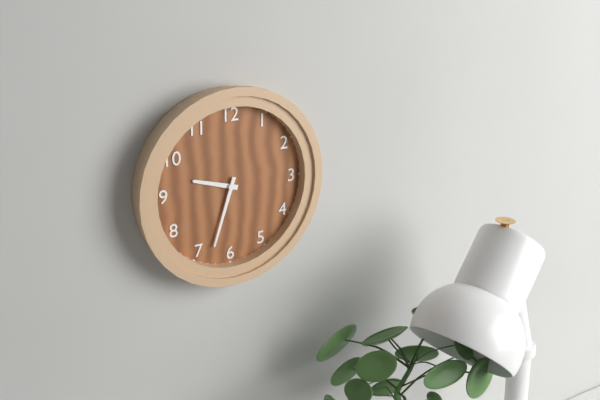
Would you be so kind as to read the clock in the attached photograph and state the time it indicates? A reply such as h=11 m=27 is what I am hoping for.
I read h=9 m=33
